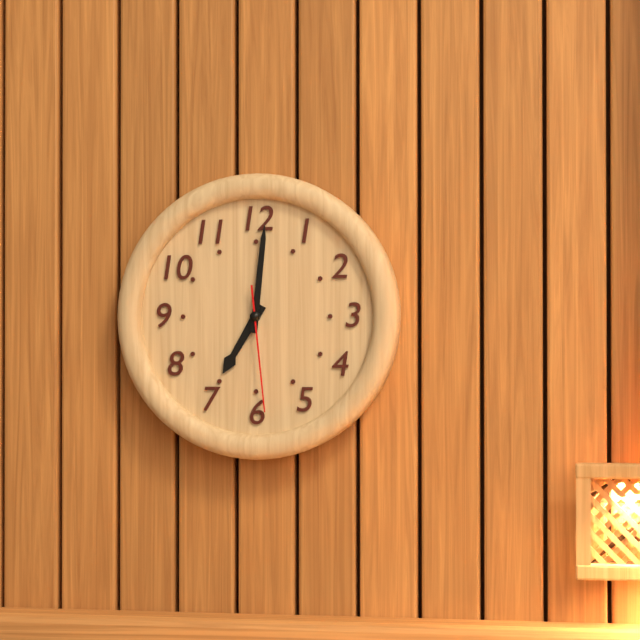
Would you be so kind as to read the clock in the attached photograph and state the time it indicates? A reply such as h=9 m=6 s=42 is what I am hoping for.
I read h=7 m=1 s=29
